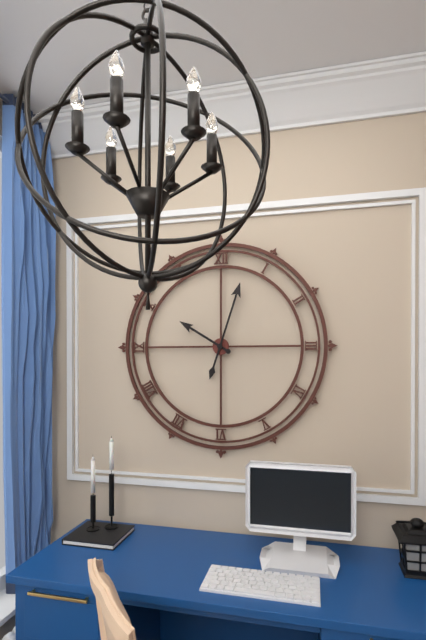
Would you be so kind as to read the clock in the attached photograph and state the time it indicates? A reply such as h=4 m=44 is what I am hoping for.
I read h=10 m=3
